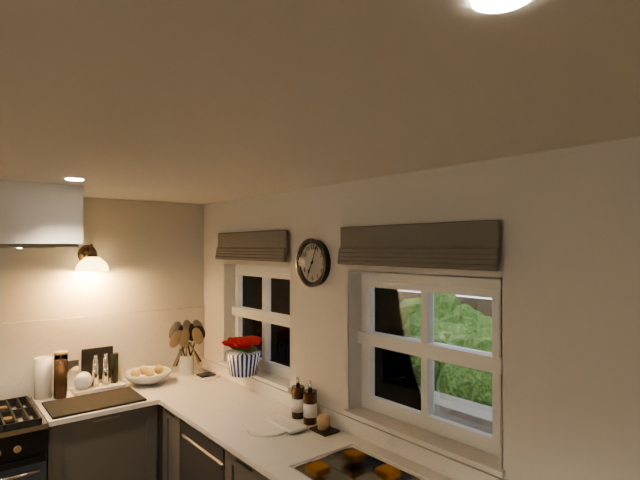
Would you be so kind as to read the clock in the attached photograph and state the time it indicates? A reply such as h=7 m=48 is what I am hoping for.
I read h=7 m=4
